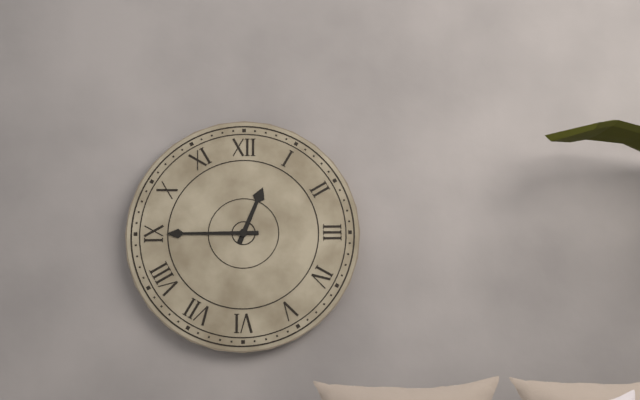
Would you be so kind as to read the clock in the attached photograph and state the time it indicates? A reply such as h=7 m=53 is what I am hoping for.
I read h=12 m=45
